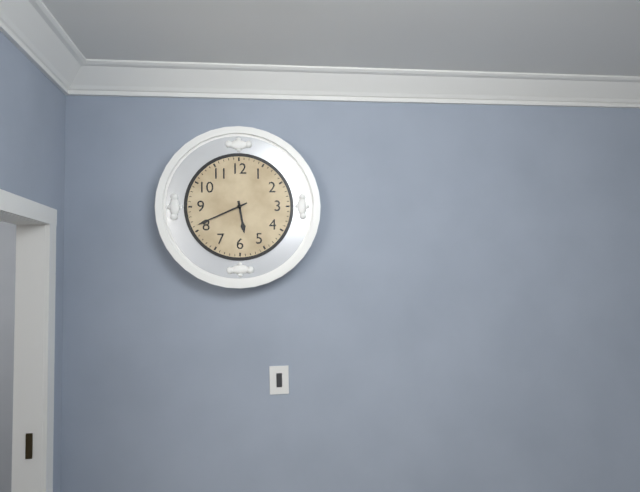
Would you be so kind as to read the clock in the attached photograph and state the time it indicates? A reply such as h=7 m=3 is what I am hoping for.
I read h=5 m=41
